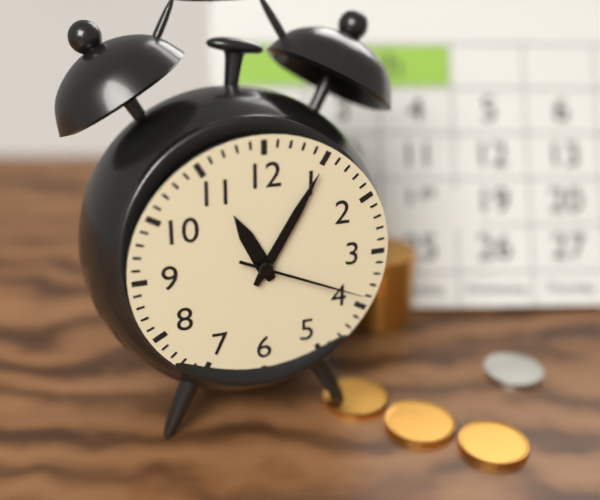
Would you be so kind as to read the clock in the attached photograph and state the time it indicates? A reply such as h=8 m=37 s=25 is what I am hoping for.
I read h=11 m=5 s=19
